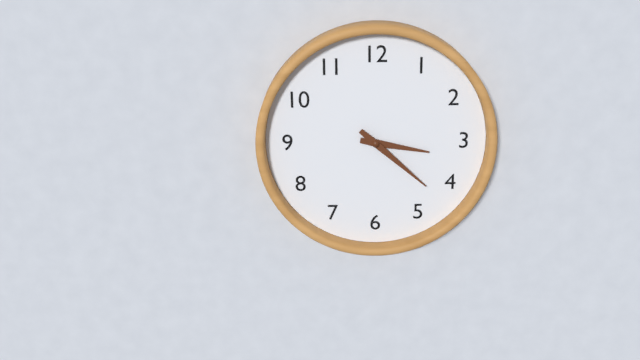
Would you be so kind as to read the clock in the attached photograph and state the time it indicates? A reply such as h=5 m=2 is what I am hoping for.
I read h=3 m=22
